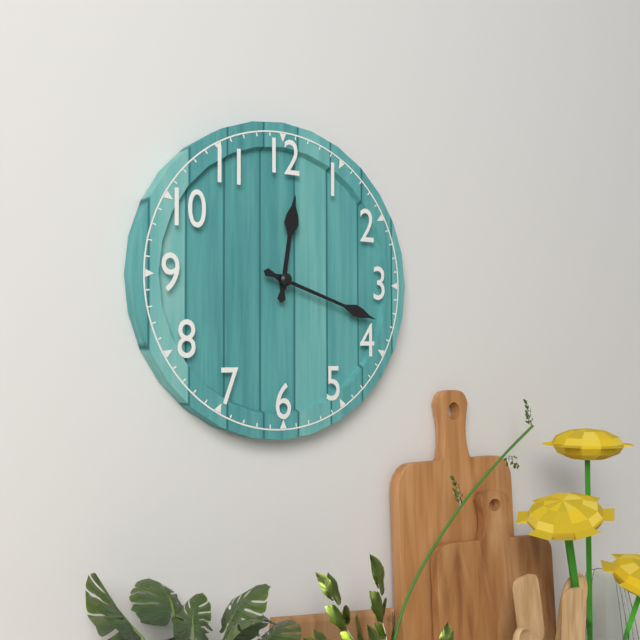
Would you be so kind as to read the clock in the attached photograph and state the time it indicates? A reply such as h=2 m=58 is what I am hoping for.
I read h=12 m=18
